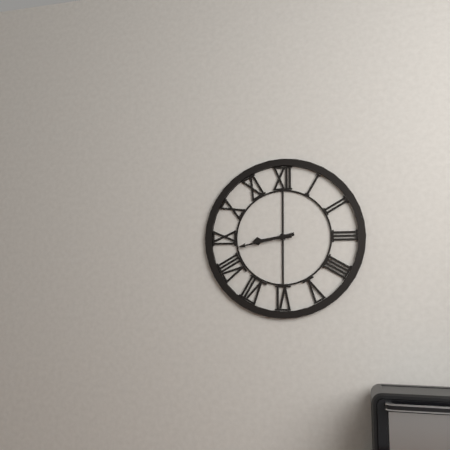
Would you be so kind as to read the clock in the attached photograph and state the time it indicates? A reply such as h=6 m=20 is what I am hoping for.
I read h=8 m=43
